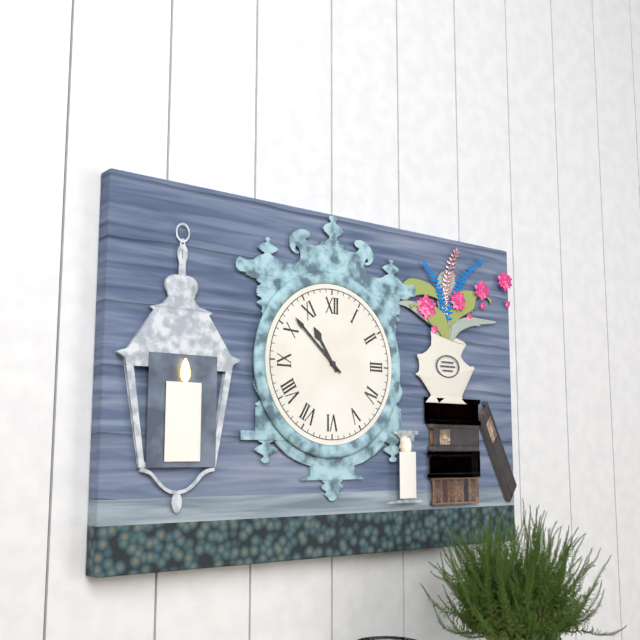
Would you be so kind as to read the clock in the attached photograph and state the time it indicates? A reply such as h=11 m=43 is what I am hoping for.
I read h=10 m=52
